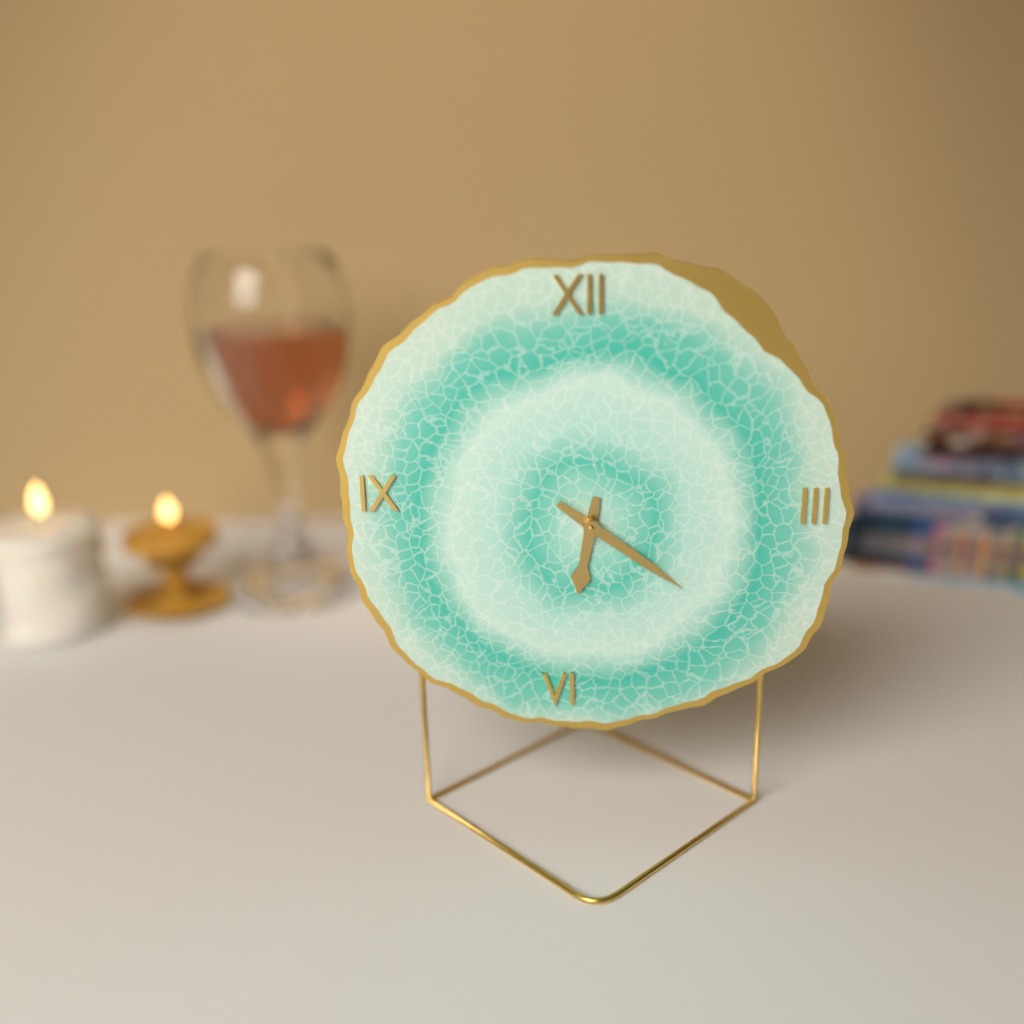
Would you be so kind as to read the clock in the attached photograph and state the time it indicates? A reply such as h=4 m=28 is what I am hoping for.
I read h=6 m=21
